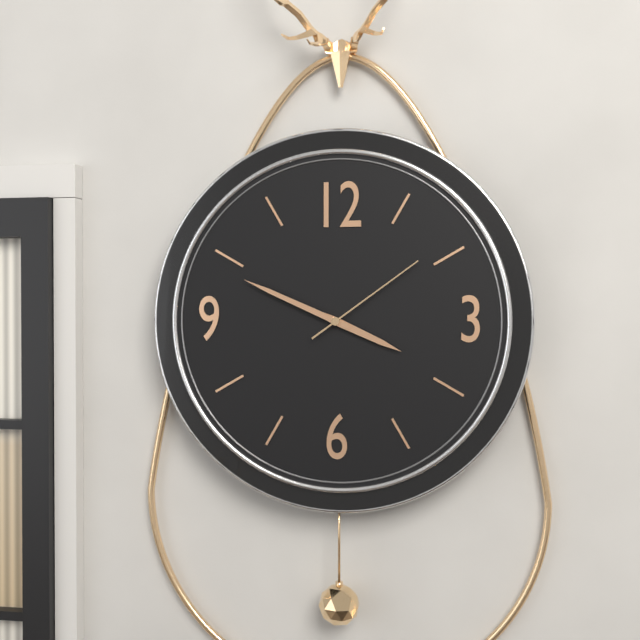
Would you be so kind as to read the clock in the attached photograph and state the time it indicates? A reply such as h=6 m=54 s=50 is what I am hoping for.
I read h=3 m=49 s=9
